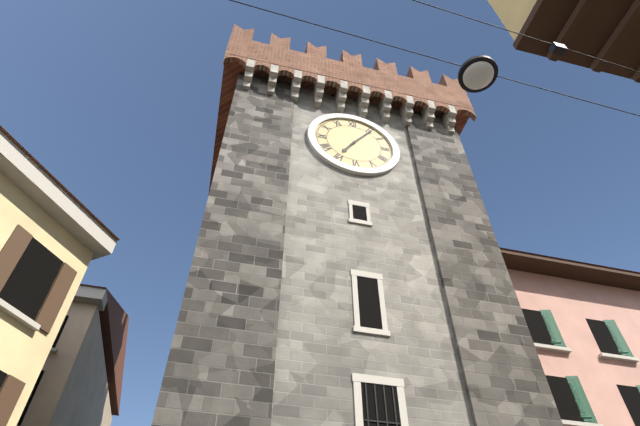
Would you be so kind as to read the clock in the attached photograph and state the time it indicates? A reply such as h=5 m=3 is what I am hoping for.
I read h=7 m=6
